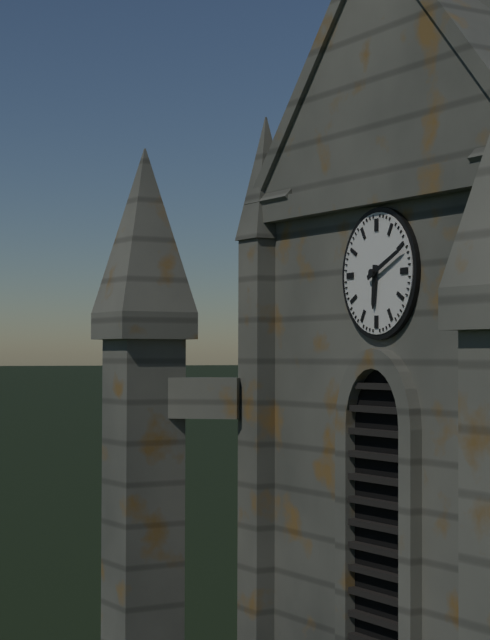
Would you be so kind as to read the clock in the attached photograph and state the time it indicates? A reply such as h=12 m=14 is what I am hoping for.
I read h=6 m=11
